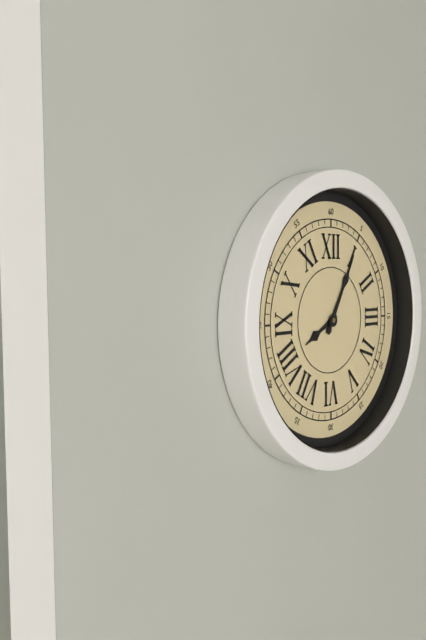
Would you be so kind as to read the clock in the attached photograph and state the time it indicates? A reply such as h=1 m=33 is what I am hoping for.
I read h=8 m=5
